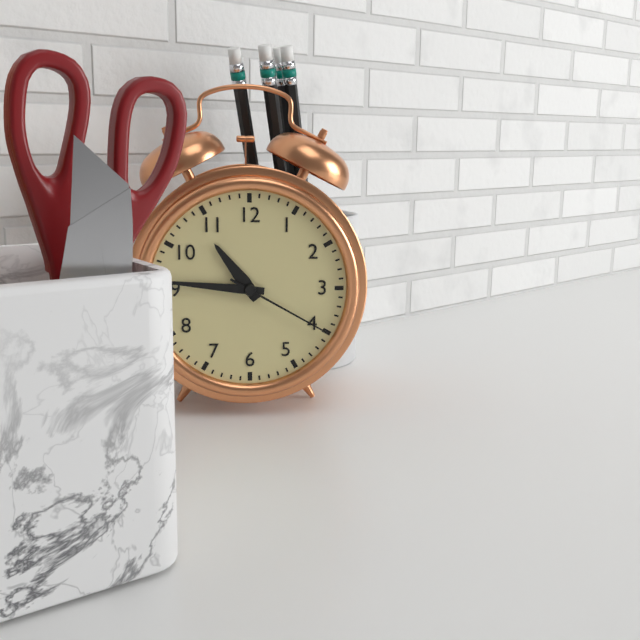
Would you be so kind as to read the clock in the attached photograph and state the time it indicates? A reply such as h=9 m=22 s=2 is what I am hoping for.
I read h=10 m=46 s=20
